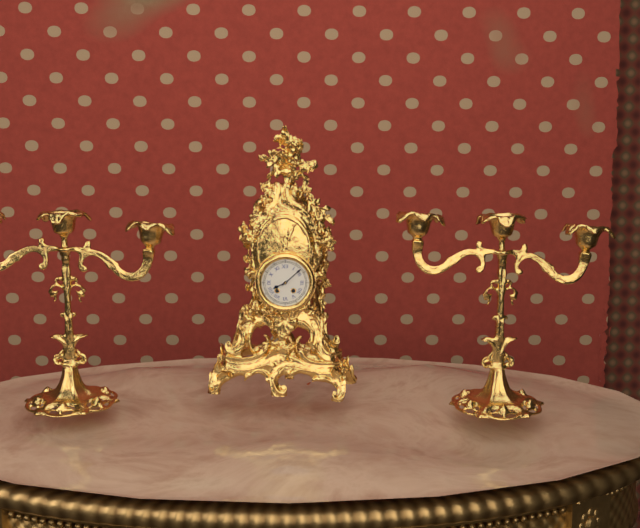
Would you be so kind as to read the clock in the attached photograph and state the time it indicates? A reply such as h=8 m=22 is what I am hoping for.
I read h=8 m=8
